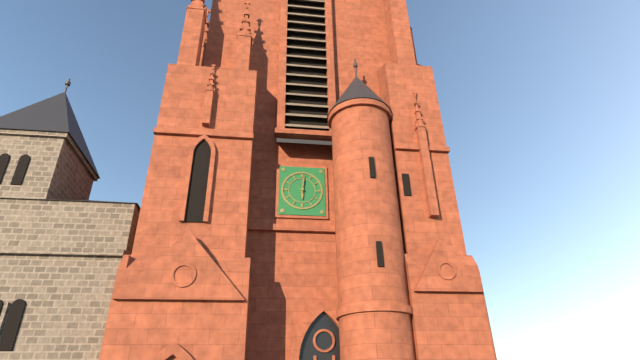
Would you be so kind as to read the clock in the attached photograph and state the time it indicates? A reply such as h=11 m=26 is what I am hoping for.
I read h=6 m=1
